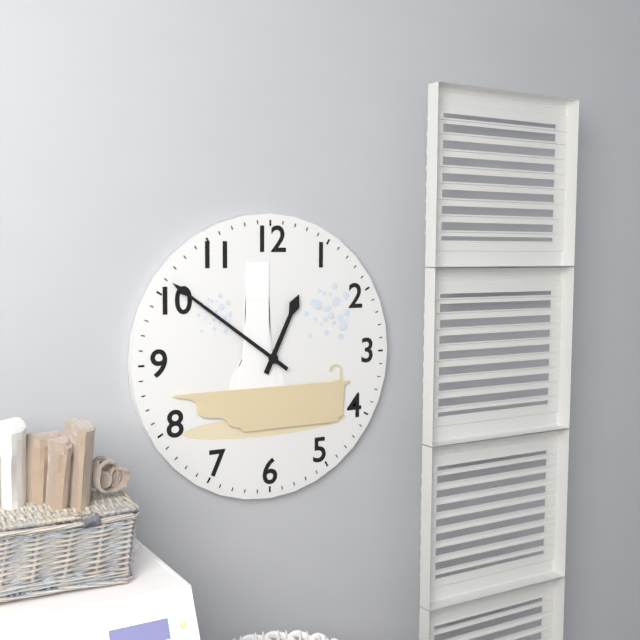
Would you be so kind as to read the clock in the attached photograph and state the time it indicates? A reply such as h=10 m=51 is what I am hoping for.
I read h=12 m=51
